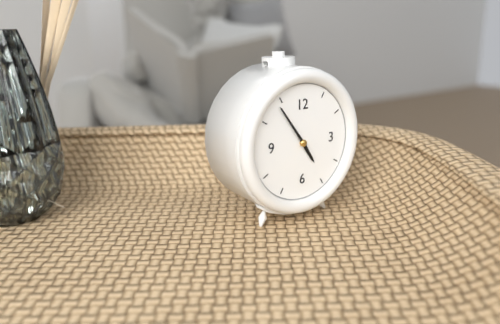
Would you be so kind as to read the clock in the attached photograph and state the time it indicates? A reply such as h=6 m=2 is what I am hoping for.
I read h=4 m=54
